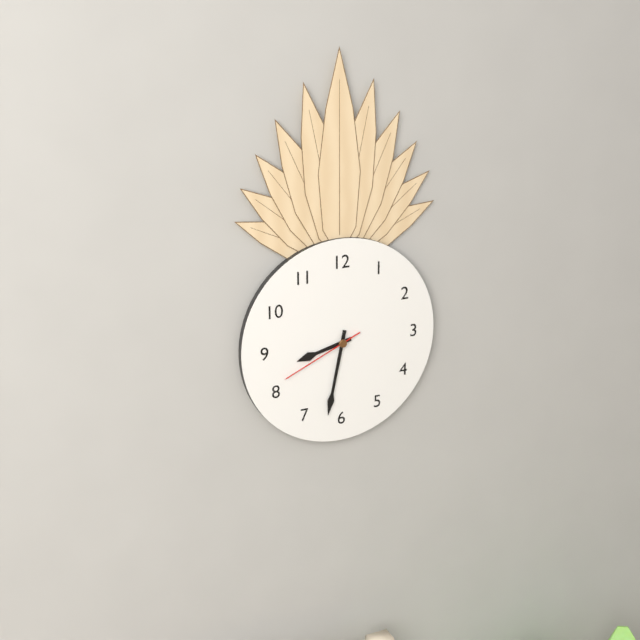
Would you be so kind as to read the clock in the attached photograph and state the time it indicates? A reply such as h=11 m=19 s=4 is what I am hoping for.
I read h=8 m=32 s=41
